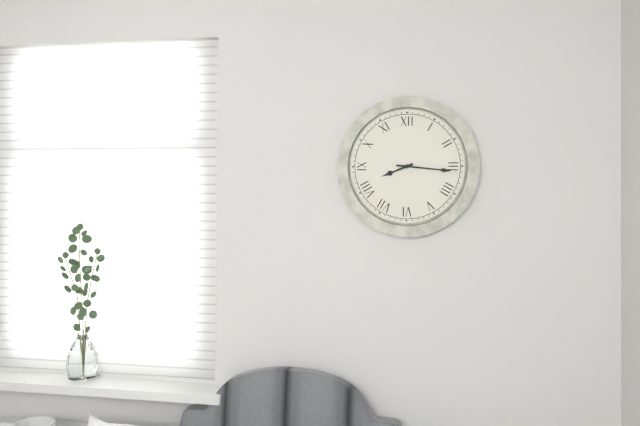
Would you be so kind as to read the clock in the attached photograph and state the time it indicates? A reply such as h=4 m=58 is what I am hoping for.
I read h=8 m=16
